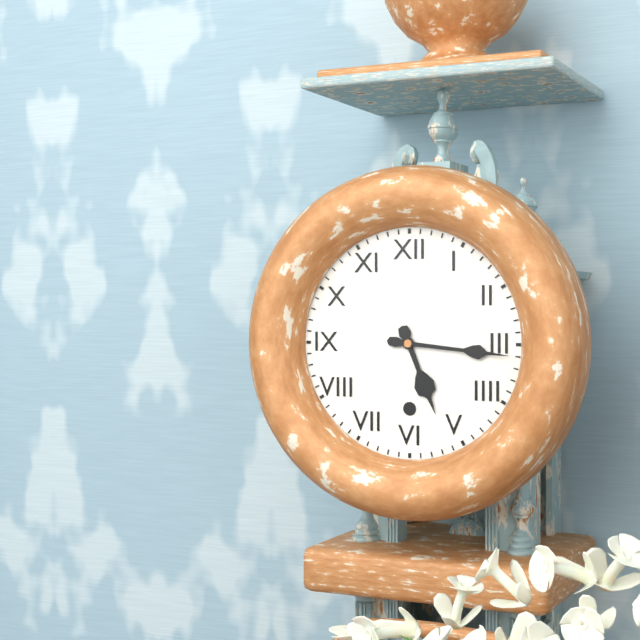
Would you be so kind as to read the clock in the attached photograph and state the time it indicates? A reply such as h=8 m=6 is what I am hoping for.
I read h=5 m=16
